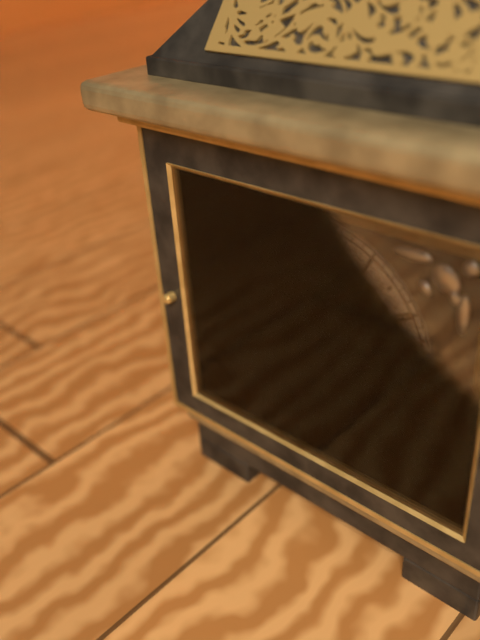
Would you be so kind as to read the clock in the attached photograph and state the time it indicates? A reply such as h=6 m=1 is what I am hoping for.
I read h=12 m=1
